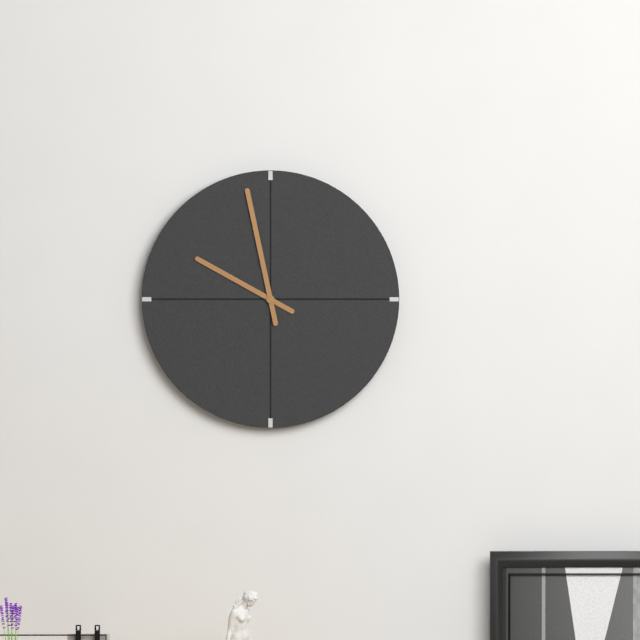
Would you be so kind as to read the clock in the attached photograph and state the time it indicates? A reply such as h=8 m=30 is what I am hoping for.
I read h=9 m=58
